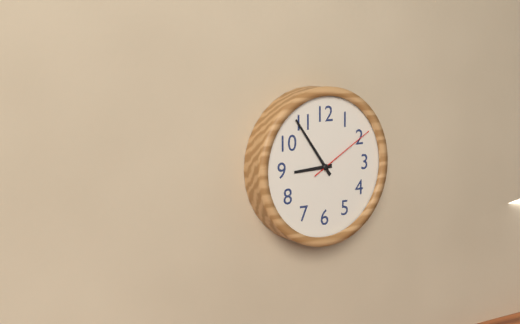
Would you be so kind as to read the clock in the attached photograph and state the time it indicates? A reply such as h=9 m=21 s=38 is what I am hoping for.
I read h=8 m=54 s=10
